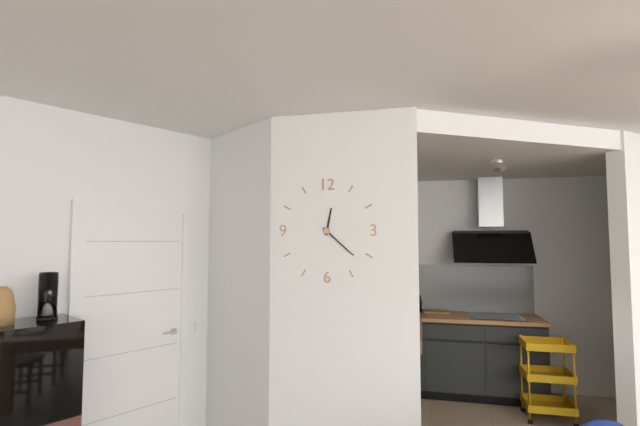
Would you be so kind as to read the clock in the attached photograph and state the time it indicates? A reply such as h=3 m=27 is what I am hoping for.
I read h=12 m=22
